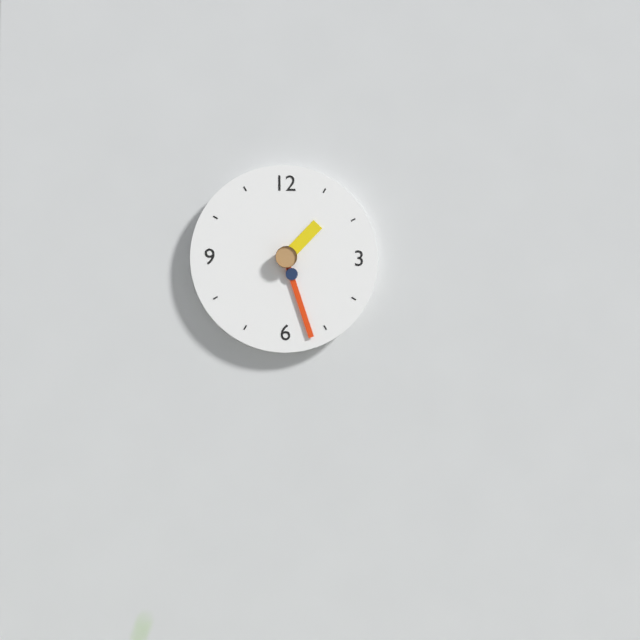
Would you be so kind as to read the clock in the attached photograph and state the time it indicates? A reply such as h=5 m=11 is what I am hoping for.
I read h=1 m=27
